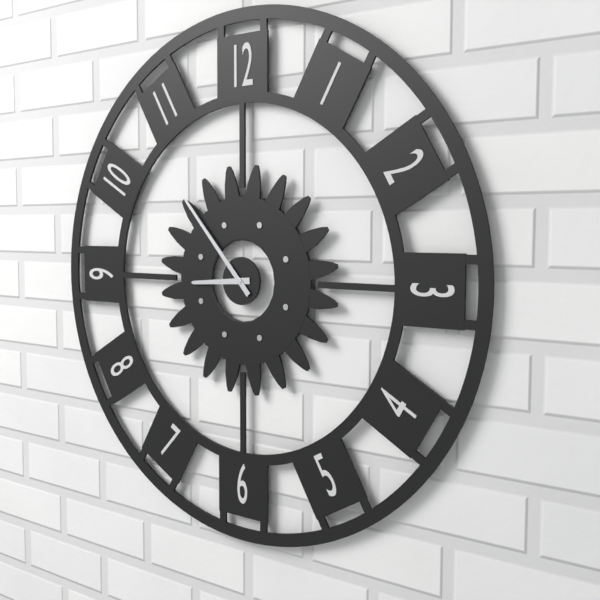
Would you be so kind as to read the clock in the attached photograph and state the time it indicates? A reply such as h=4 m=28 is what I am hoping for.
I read h=8 m=53
